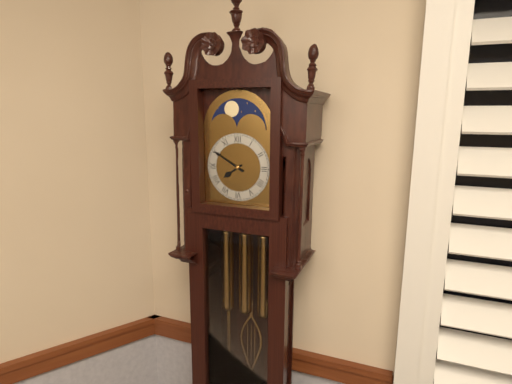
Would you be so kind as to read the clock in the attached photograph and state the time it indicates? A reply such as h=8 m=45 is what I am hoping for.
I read h=7 m=50
